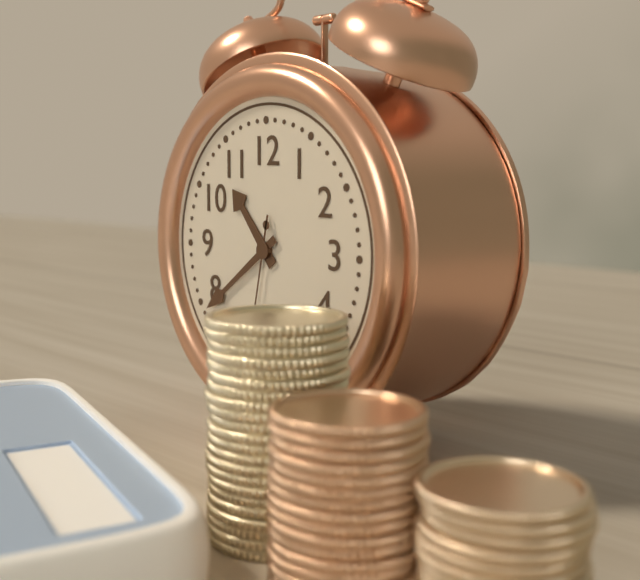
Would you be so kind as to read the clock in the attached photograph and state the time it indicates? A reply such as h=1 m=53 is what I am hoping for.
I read h=10 m=39
